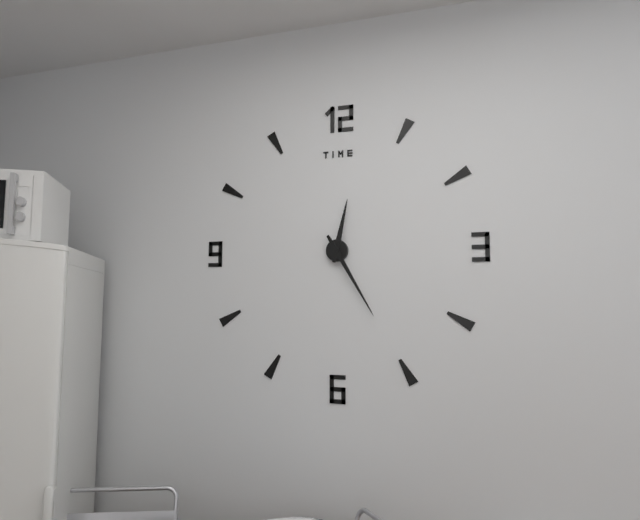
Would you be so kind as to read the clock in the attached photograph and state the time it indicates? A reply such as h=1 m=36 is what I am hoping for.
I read h=12 m=25
